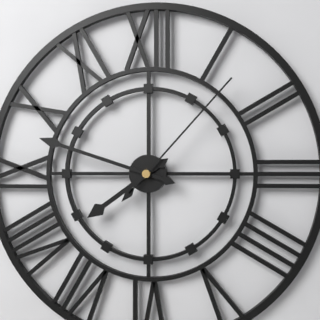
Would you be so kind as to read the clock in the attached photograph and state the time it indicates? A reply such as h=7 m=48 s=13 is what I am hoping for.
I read h=7 m=48 s=7
